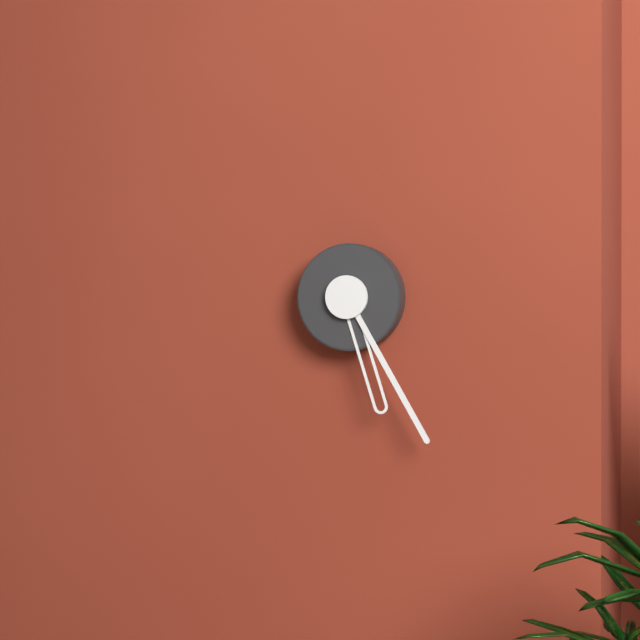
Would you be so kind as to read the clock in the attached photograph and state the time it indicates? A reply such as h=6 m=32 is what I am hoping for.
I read h=5 m=25
